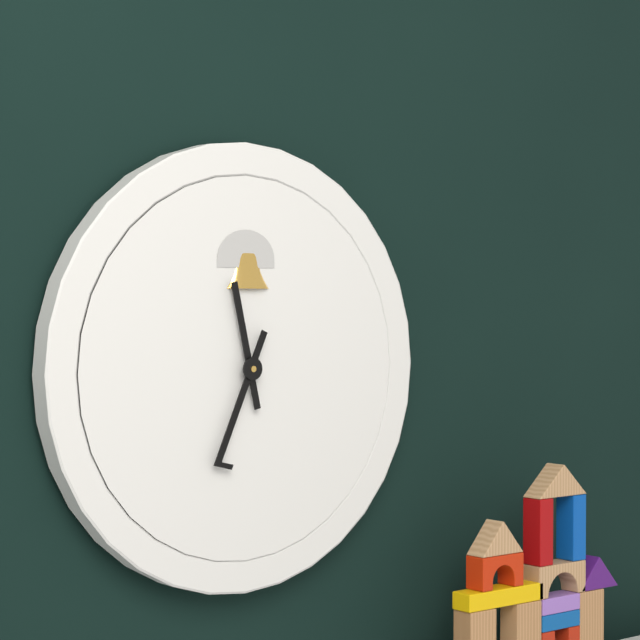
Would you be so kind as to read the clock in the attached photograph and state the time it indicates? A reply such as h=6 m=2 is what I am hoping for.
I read h=11 m=34
